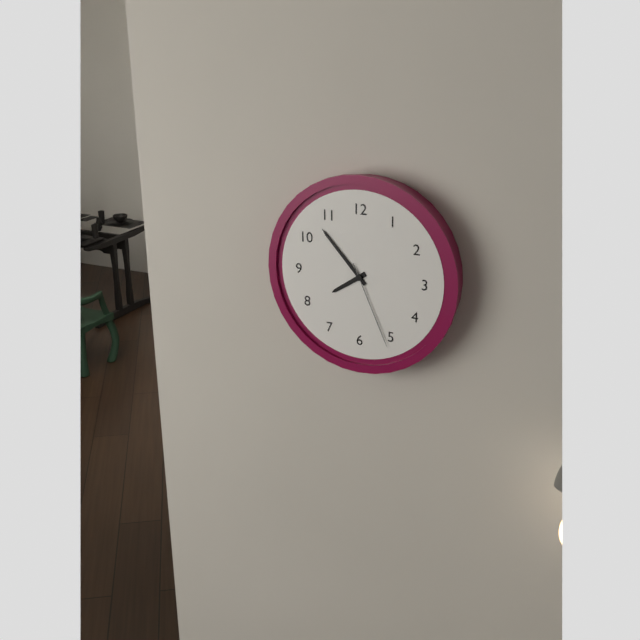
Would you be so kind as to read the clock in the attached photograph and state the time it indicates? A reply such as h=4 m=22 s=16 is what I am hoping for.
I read h=7 m=53 s=26
